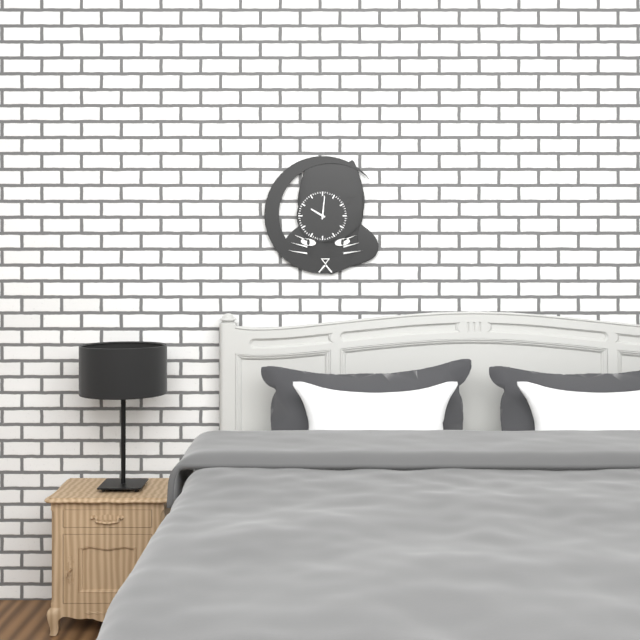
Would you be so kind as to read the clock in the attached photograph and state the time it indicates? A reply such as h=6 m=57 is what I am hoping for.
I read h=10 m=1
